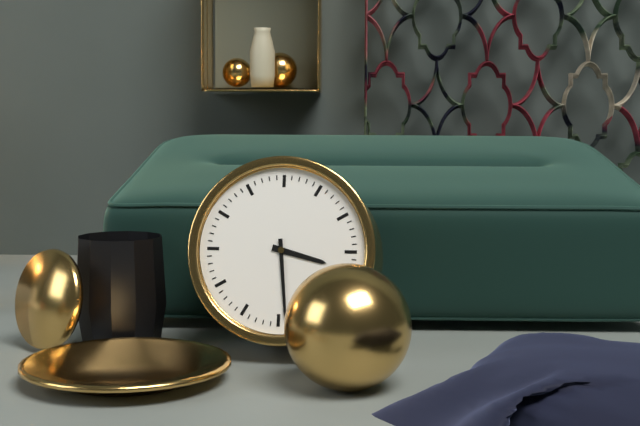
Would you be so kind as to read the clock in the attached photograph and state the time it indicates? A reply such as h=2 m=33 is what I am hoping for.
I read h=3 m=29
